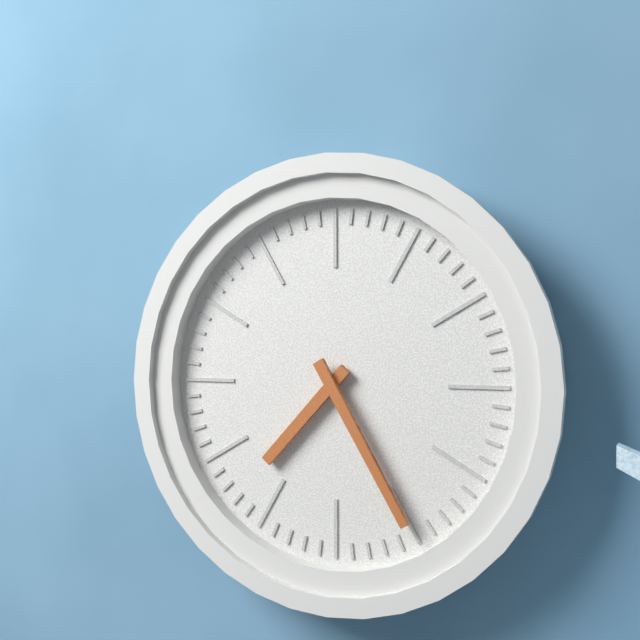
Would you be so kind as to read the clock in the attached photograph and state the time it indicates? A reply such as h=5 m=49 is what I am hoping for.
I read h=7 m=25
